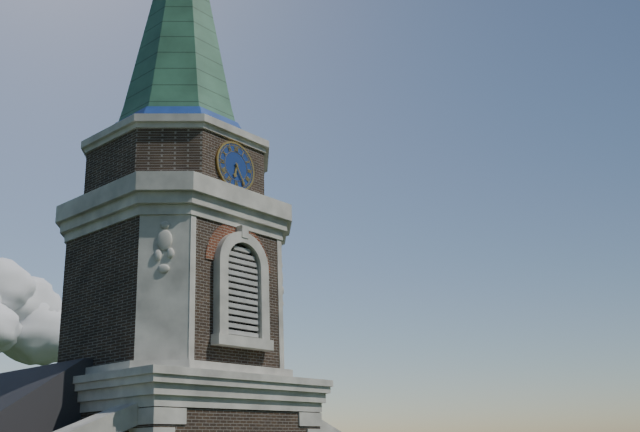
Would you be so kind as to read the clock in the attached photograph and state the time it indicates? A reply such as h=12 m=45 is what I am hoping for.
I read h=6 m=25
